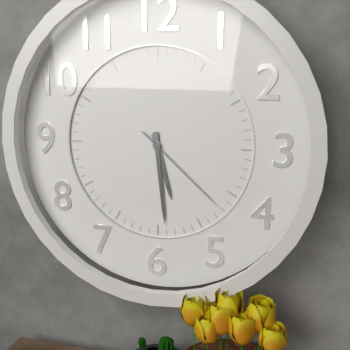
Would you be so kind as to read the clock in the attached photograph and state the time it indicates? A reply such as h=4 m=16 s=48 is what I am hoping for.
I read h=5 m=29 s=22
